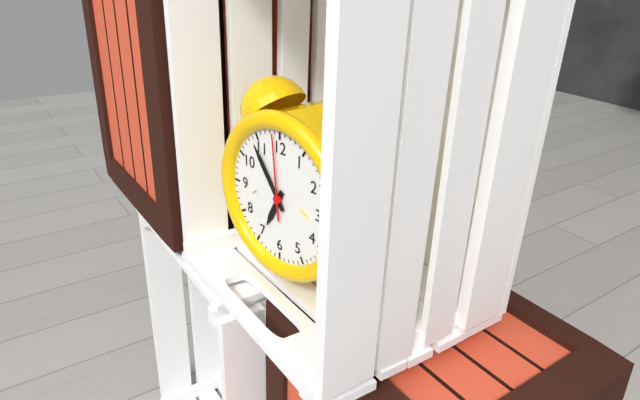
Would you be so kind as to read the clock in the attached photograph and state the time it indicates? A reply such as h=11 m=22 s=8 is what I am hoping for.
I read h=6 m=54 s=59
